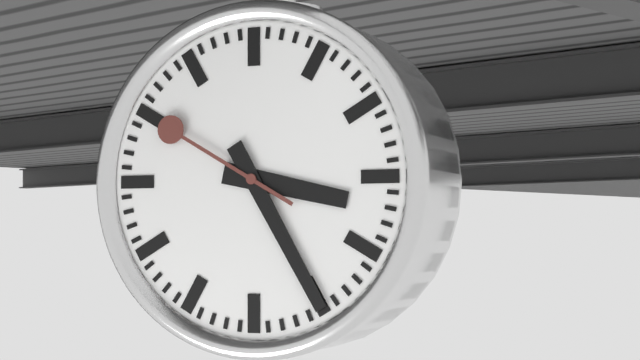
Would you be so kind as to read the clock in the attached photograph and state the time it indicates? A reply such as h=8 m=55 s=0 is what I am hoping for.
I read h=3 m=25 s=50
